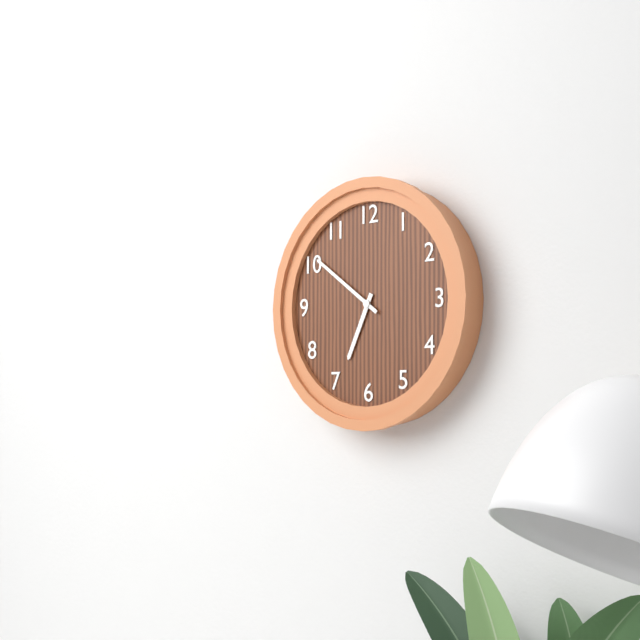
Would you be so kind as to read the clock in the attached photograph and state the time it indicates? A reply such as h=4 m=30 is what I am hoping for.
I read h=6 m=51
